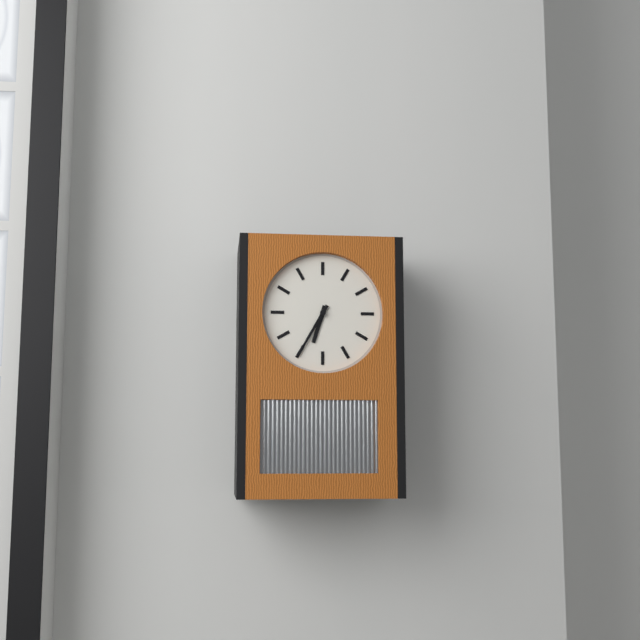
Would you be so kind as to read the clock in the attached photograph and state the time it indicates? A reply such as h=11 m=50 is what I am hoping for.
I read h=6 m=35
